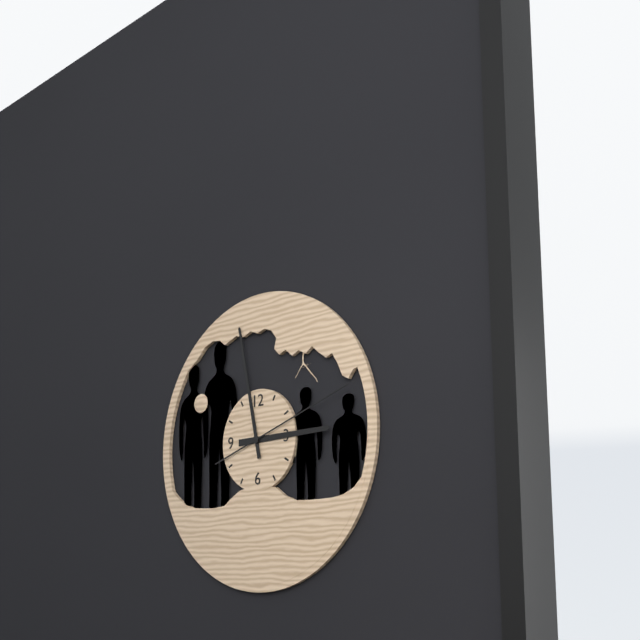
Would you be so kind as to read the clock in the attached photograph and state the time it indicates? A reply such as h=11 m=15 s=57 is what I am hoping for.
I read h=2 m=58 s=12
